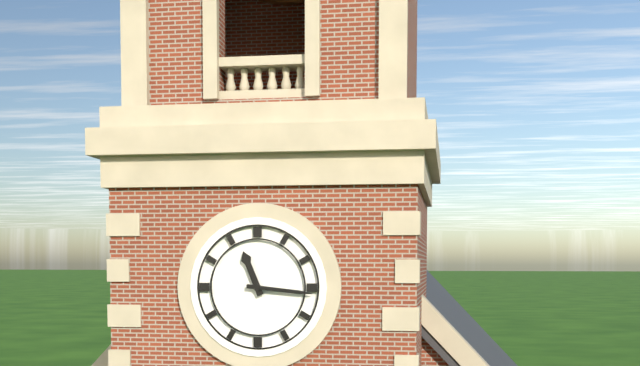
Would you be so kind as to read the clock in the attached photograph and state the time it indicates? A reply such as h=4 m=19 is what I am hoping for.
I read h=11 m=16
